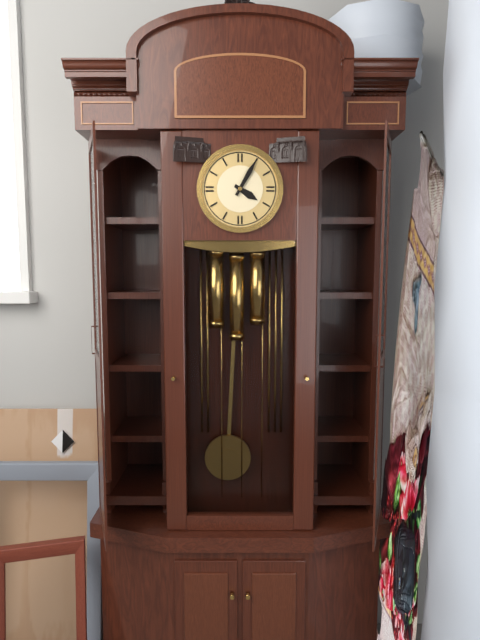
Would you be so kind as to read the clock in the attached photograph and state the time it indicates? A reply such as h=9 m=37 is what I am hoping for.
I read h=4 m=5
